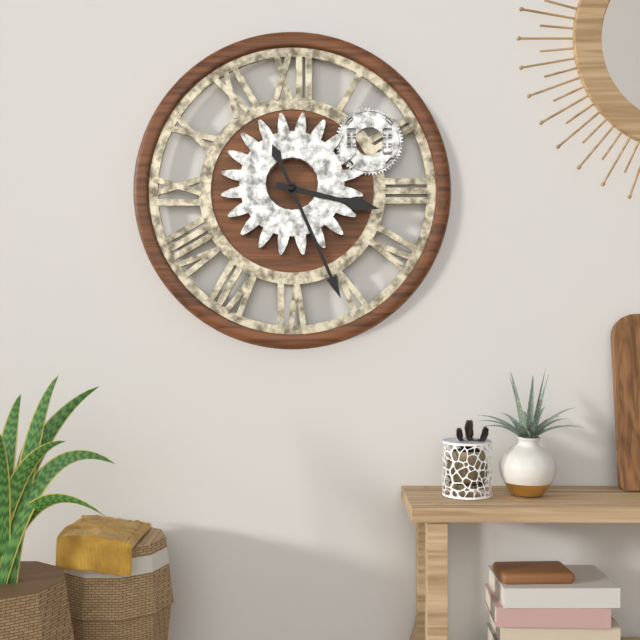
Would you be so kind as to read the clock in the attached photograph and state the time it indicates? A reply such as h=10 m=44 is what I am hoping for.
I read h=3 m=26
